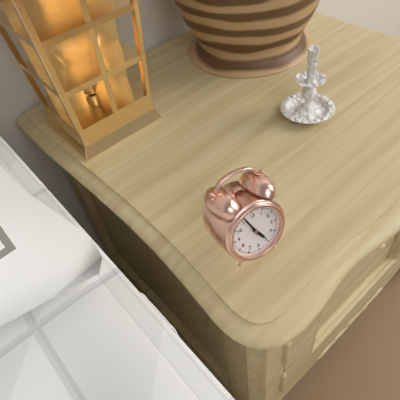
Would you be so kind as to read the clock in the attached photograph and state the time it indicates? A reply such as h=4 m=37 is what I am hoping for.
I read h=4 m=56
